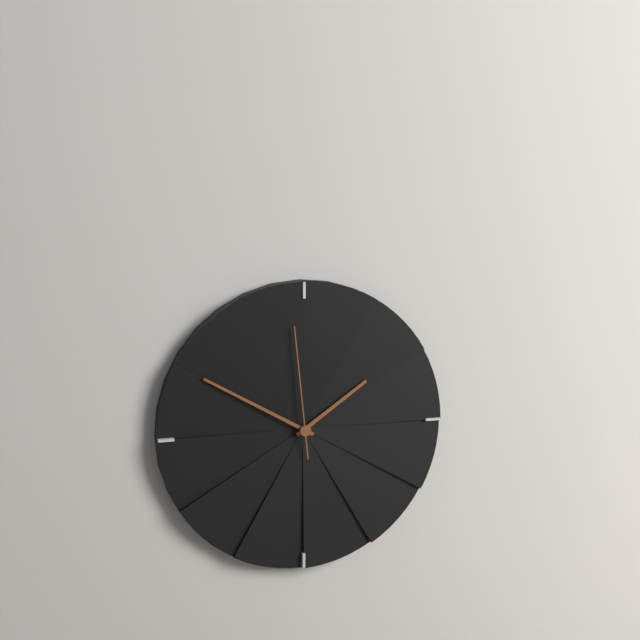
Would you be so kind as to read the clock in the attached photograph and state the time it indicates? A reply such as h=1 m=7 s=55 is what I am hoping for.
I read h=1 m=50 s=59
